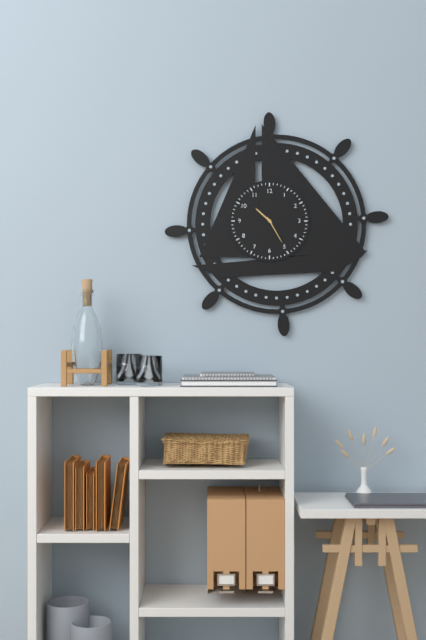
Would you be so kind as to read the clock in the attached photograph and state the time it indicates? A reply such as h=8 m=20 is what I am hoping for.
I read h=10 m=25
